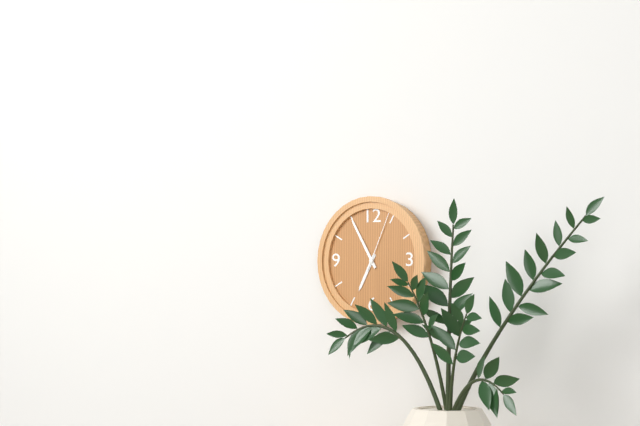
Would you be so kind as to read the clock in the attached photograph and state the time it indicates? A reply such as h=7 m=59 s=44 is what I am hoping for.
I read h=6 m=55 s=4
